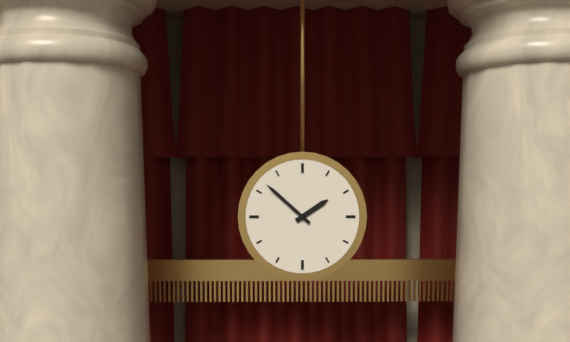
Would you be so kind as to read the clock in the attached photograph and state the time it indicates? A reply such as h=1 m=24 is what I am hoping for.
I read h=1 m=52
